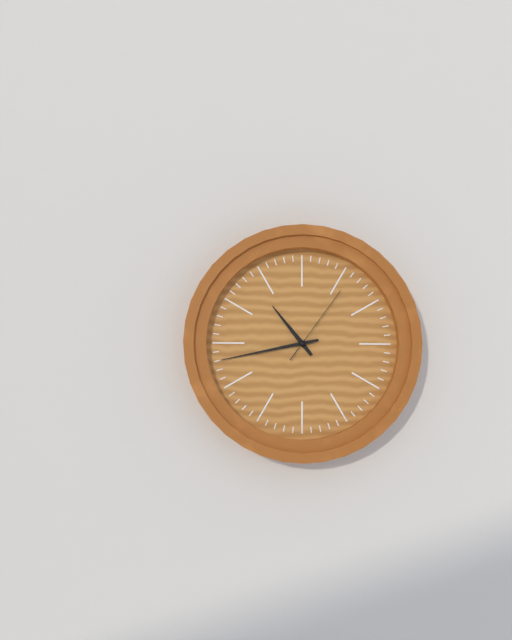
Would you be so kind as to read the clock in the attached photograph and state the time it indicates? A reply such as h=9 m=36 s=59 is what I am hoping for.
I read h=10 m=43 s=6
